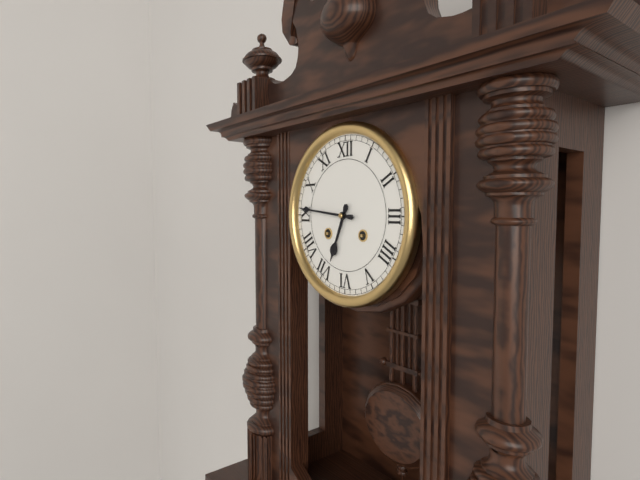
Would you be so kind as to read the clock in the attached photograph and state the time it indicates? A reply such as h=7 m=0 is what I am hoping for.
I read h=6 m=46
